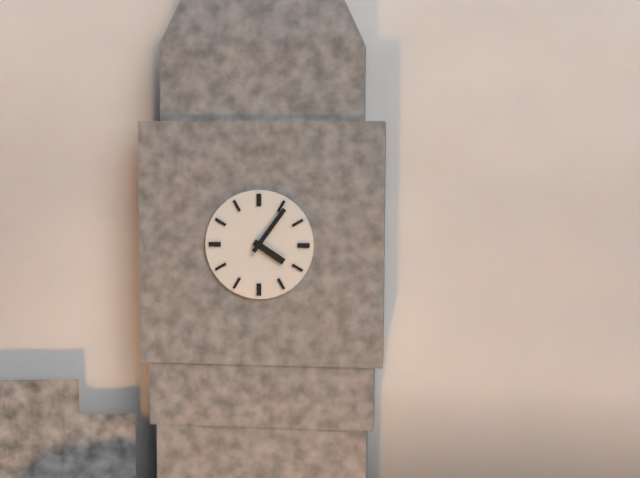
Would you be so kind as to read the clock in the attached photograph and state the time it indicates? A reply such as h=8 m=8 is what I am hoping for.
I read h=4 m=6
